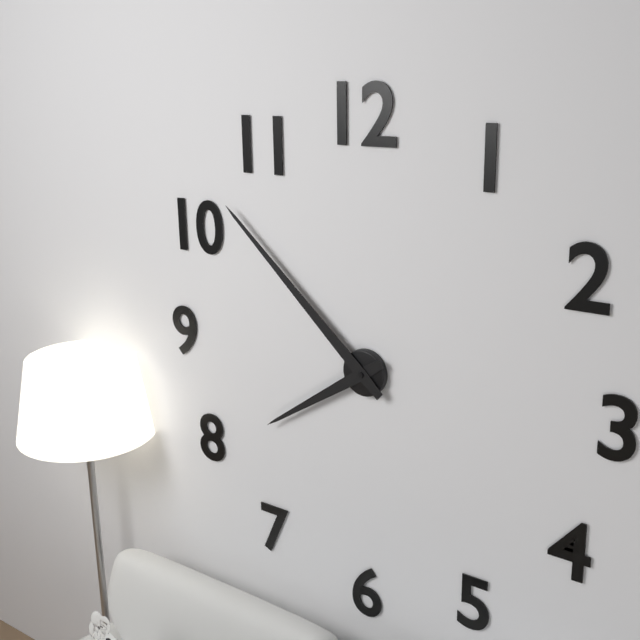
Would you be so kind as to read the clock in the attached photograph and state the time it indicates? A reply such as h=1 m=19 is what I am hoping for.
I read h=7 m=52
